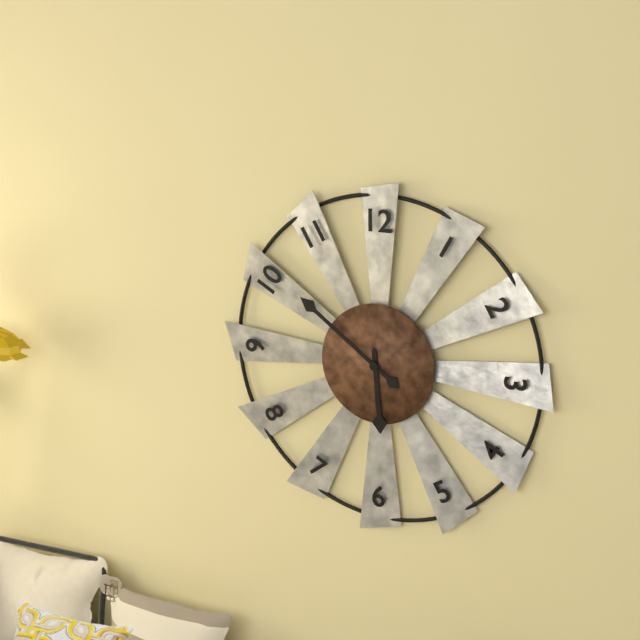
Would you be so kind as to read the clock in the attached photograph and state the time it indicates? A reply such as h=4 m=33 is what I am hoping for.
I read h=5 m=51
